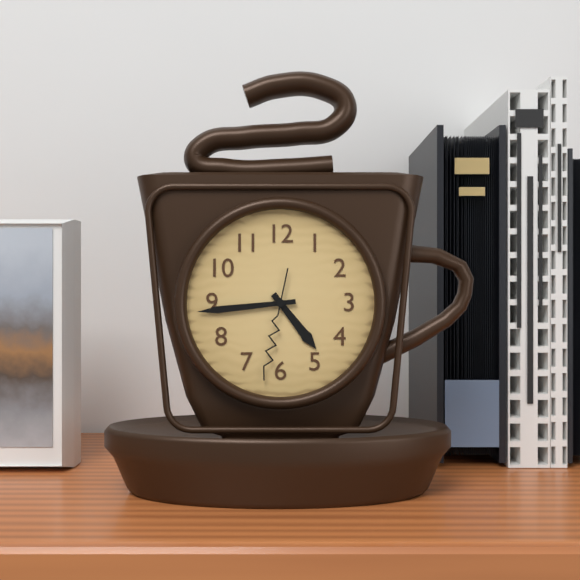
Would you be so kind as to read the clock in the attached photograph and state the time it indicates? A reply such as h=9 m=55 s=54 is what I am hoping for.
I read h=4 m=44 s=32
